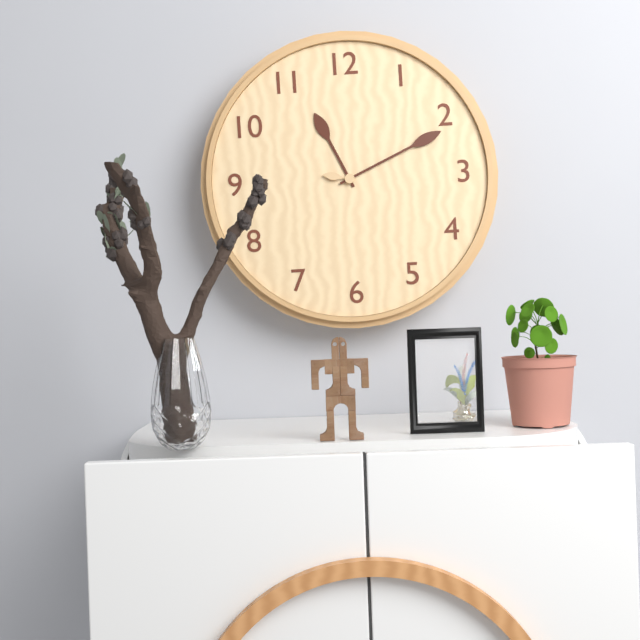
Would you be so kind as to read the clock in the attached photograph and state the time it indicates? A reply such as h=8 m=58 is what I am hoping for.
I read h=11 m=11
